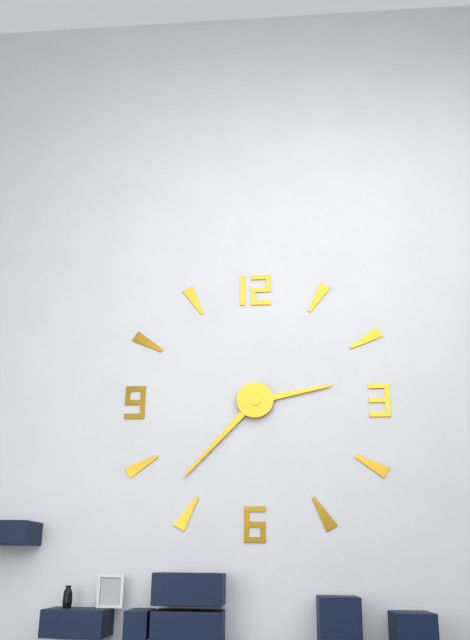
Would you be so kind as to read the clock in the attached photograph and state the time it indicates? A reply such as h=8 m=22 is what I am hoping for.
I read h=2 m=37
